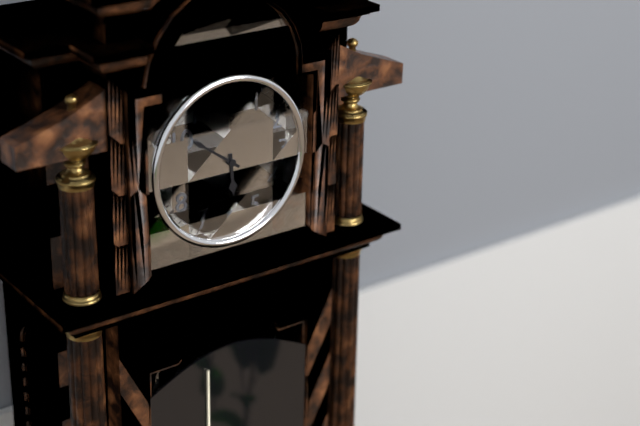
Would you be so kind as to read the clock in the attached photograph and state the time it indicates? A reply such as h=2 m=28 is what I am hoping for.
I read h=5 m=51
